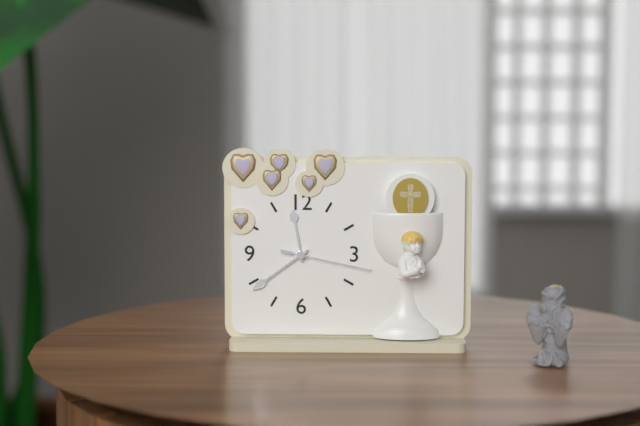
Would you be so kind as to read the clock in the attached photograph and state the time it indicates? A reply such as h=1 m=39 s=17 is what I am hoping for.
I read h=11 m=39 s=17
